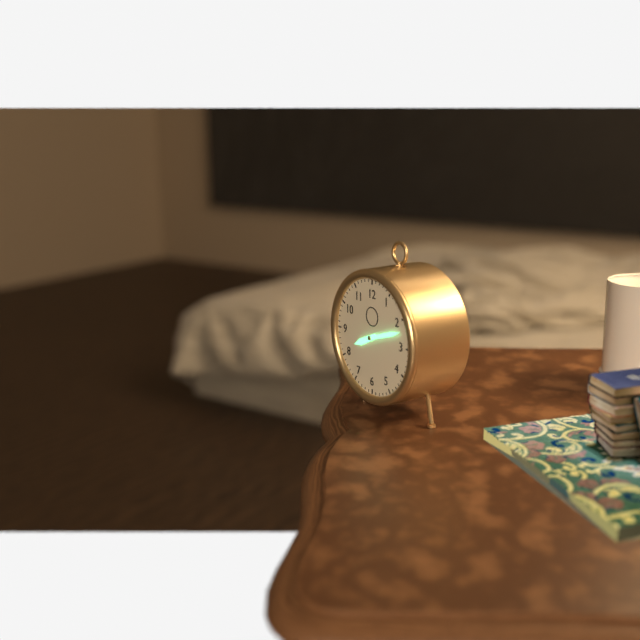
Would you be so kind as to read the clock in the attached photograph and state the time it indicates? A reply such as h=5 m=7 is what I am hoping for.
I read h=8 m=12
